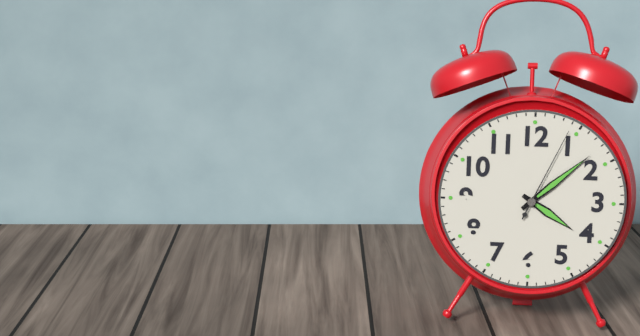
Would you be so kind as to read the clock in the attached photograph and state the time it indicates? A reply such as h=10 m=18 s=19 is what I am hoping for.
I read h=4 m=8 s=4
